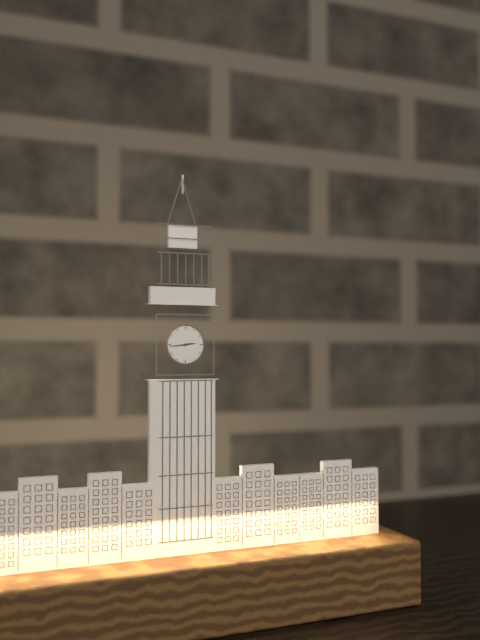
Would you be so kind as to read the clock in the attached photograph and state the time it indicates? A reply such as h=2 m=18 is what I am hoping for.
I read h=2 m=44
